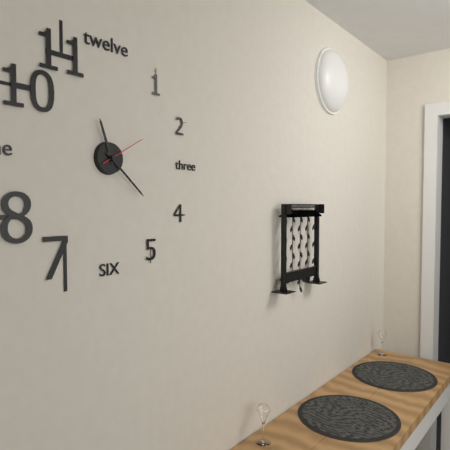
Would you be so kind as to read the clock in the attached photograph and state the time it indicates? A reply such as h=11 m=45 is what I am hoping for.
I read h=11 m=22
